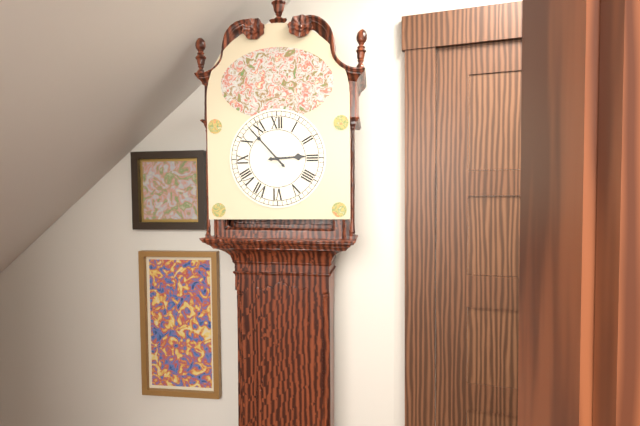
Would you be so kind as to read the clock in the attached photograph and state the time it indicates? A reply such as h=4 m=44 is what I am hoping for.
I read h=2 m=53
